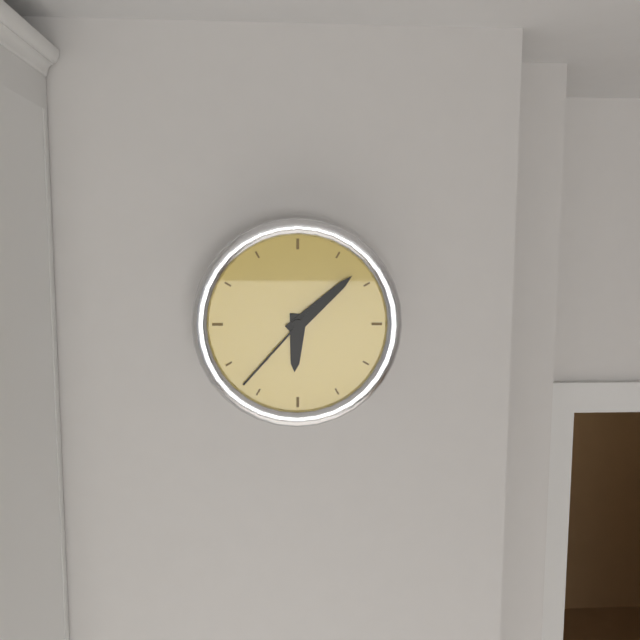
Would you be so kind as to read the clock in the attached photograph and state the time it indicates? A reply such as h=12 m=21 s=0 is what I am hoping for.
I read h=6 m=8 s=37
